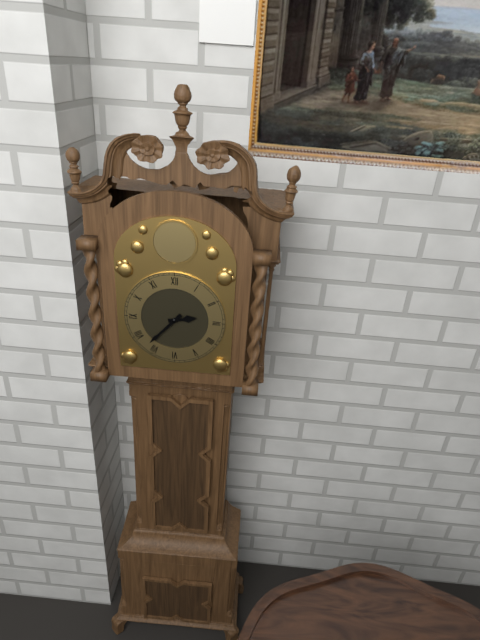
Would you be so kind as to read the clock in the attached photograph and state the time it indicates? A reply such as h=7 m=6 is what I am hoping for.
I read h=2 m=37
